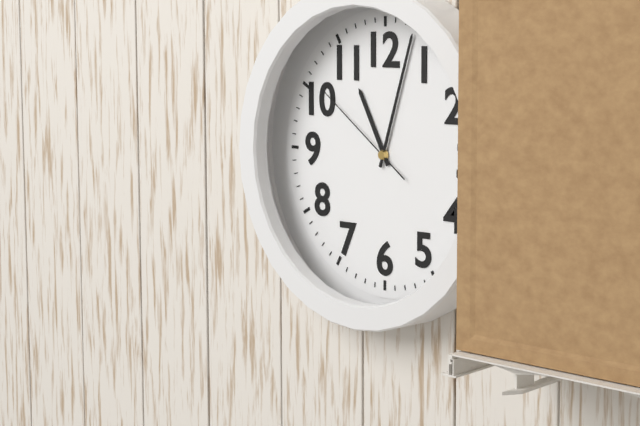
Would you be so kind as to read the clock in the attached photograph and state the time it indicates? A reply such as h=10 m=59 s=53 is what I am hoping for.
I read h=11 m=3 s=51
